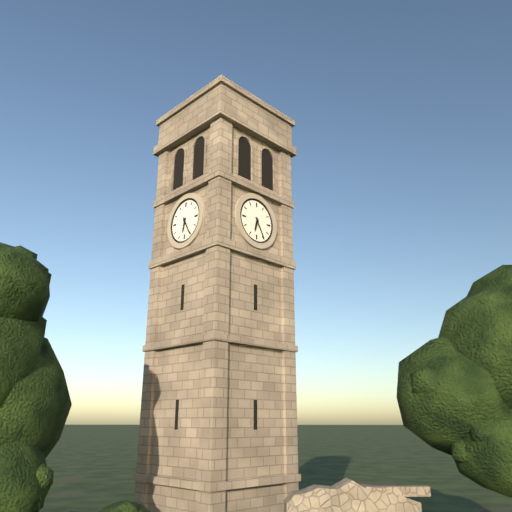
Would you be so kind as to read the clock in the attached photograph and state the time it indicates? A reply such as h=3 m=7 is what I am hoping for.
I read h=6 m=25
